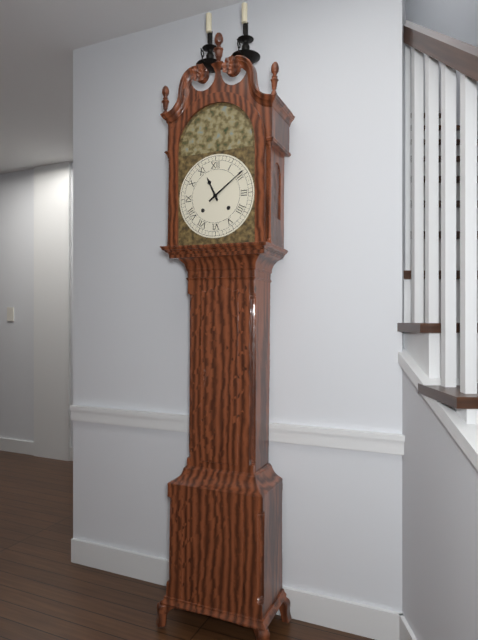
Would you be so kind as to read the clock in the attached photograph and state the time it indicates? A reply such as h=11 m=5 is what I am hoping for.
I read h=11 m=9
